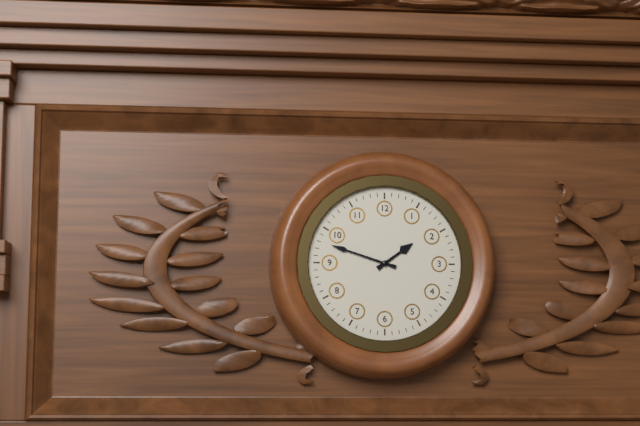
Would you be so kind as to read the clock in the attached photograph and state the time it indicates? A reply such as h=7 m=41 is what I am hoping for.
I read h=1 m=48
